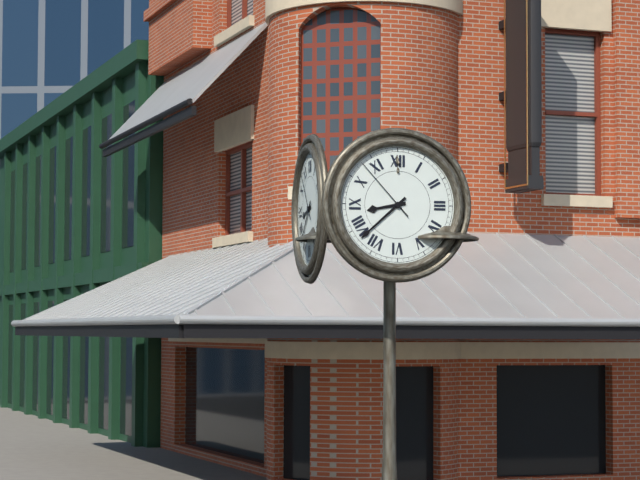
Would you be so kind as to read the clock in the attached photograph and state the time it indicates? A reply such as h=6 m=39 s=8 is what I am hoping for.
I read h=8 m=38 s=53
